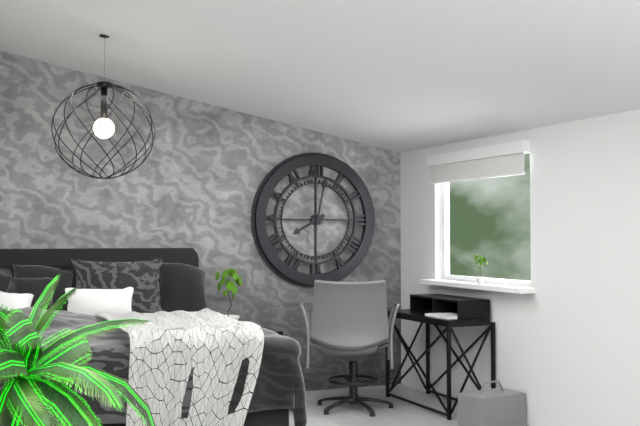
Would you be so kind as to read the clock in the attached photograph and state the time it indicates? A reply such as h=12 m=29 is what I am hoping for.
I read h=8 m=2
